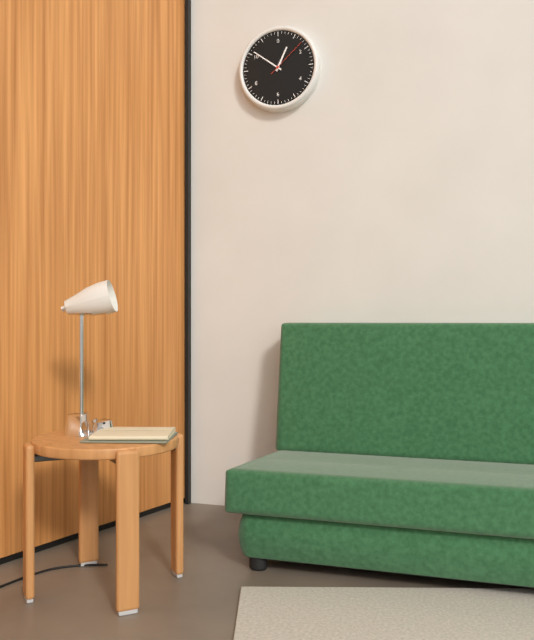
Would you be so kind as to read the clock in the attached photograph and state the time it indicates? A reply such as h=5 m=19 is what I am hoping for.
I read h=12 m=51
